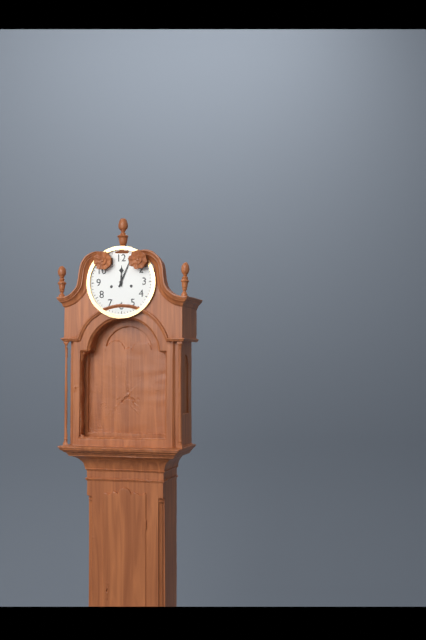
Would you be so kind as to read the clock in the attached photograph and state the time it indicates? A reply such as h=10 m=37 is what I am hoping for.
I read h=12 m=4
